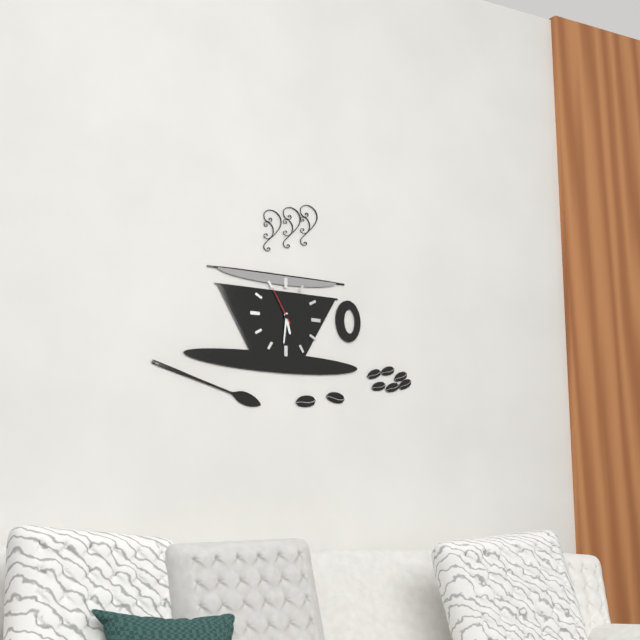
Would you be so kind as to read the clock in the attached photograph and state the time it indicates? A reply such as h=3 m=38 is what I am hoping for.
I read h=5 m=31
